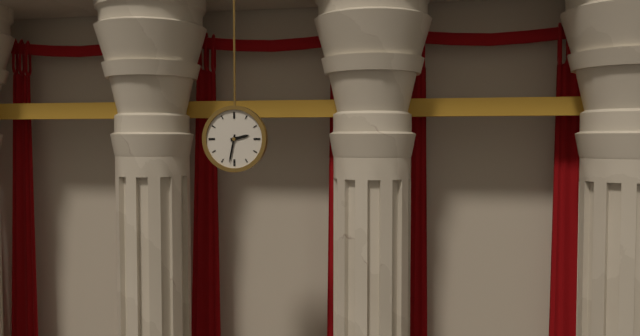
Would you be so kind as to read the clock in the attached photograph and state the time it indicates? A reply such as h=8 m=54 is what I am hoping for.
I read h=2 m=32
